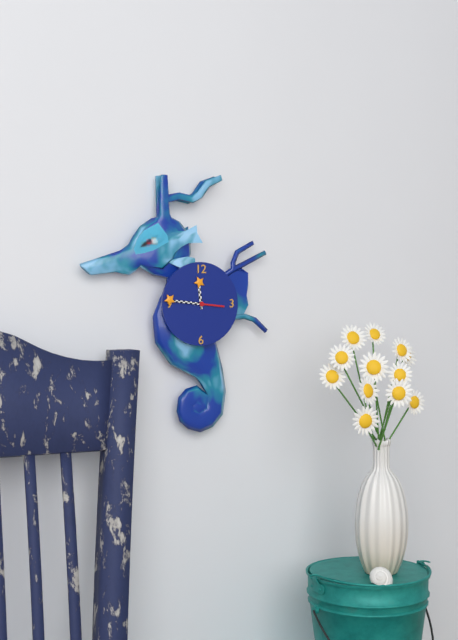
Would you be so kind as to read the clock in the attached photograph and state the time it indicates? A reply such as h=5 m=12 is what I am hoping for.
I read h=11 m=46
